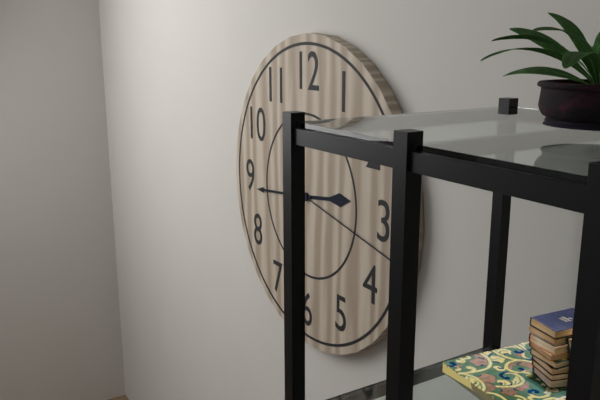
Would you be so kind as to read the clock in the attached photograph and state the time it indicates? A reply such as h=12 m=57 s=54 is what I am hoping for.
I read h=2 m=44 s=17
